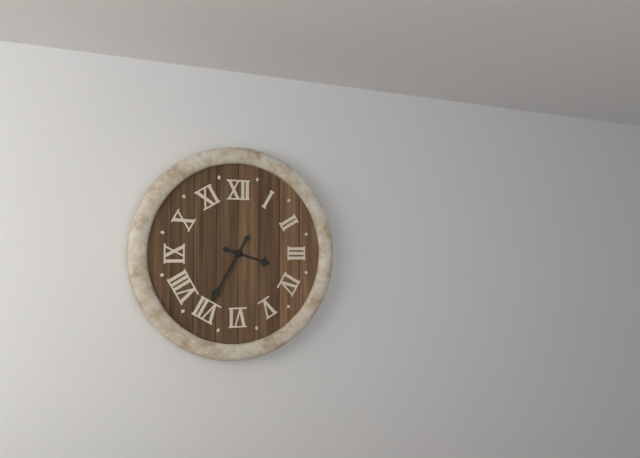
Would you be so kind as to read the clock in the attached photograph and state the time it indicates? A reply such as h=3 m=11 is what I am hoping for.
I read h=3 m=35
